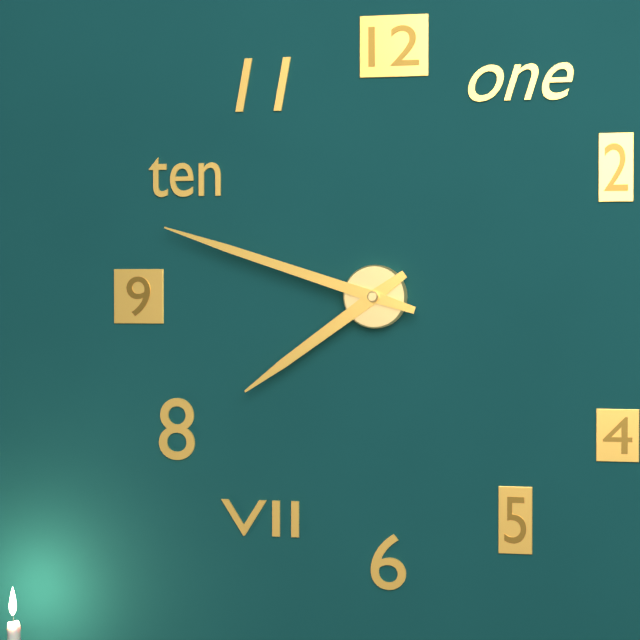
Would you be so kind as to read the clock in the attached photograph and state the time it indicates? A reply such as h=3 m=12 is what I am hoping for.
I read h=7 m=48
